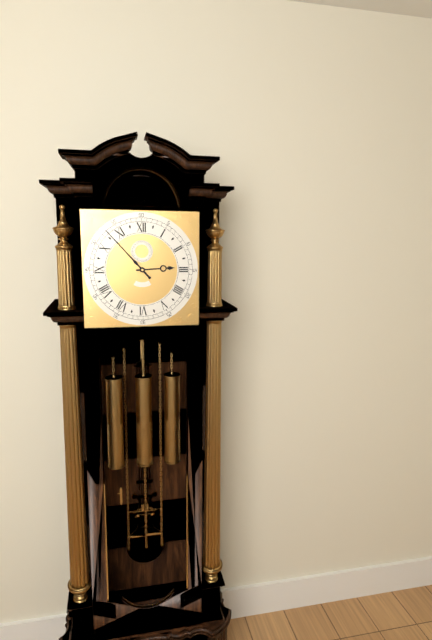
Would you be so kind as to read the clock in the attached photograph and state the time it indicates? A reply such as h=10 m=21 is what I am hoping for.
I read h=2 m=53
